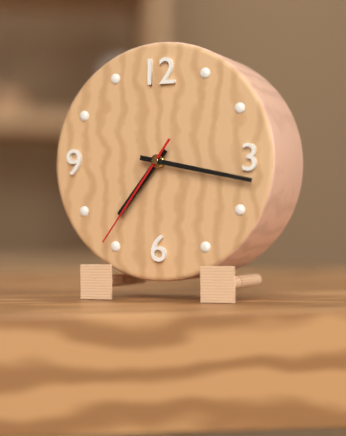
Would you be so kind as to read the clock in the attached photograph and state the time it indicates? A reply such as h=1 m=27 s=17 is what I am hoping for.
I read h=7 m=17 s=36
